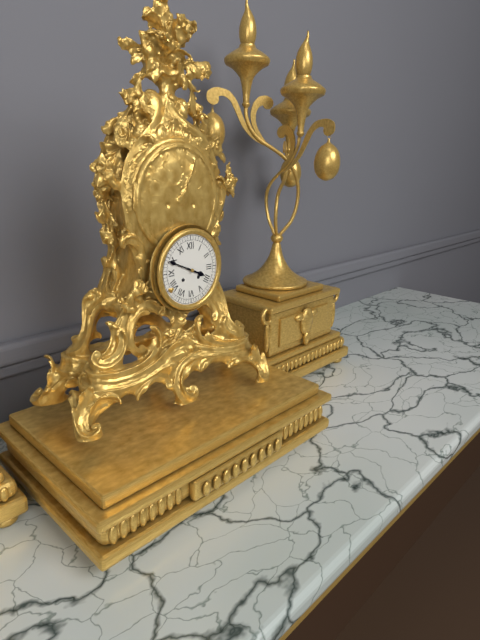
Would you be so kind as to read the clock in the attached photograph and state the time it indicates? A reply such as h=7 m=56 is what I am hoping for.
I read h=3 m=49
